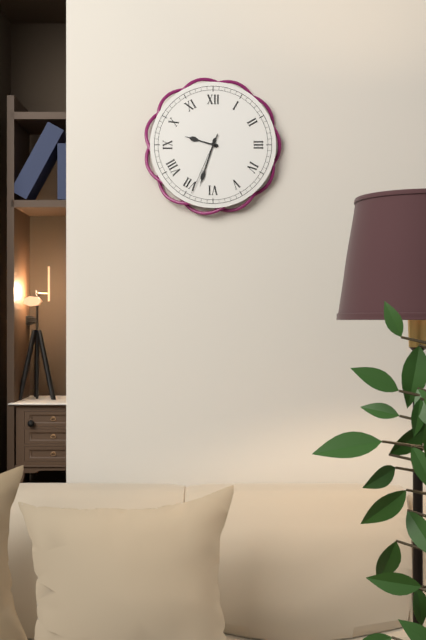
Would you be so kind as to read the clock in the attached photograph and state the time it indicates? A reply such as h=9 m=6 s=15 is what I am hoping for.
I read h=9 m=33 s=34
